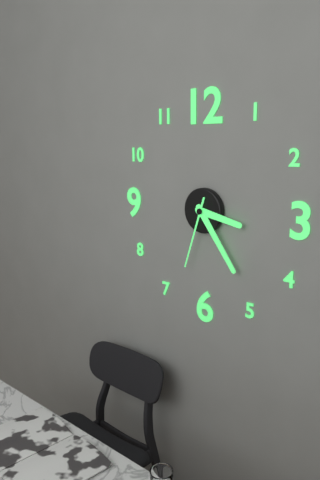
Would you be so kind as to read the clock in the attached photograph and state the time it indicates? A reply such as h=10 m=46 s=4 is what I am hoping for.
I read h=3 m=24 s=33
